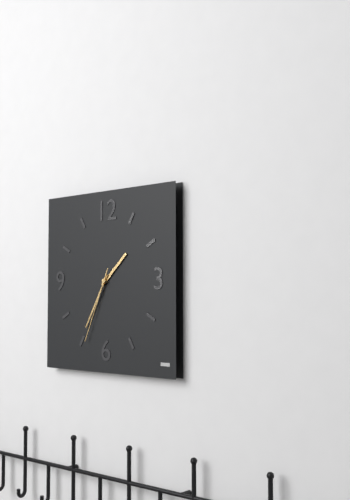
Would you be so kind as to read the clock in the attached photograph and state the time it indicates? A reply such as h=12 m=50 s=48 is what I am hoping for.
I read h=1 m=35 s=34
